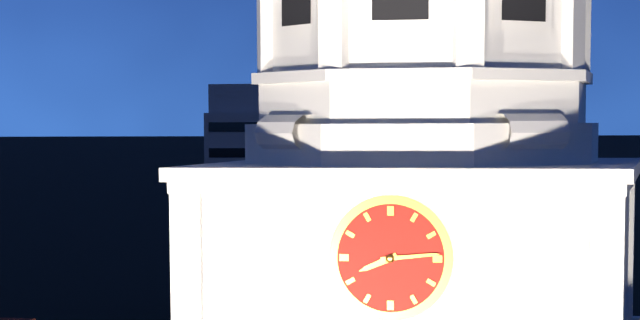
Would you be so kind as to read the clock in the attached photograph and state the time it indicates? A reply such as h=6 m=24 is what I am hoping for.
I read h=8 m=14
